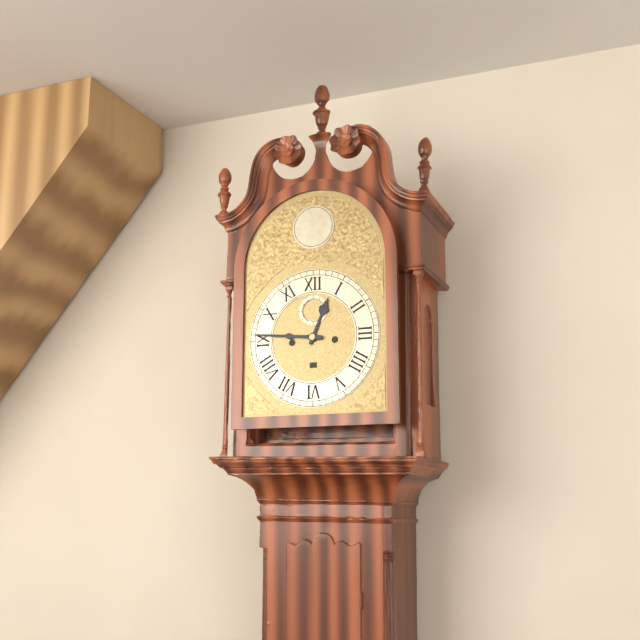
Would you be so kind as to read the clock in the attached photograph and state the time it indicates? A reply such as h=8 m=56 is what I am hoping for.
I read h=12 m=46
